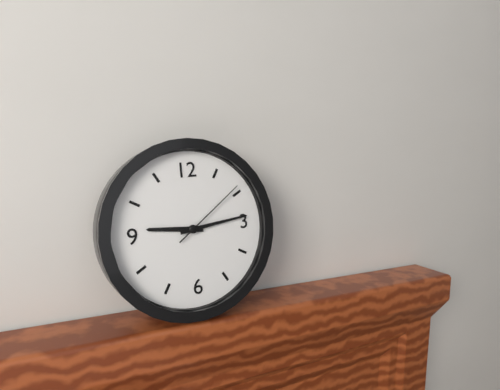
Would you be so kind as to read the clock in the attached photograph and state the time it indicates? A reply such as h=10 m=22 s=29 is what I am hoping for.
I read h=9 m=14 s=9
